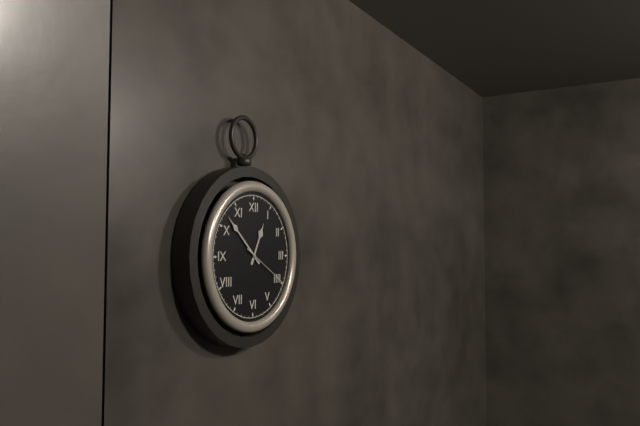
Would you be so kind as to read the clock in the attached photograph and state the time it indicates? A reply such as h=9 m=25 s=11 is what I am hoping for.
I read h=12 m=52 s=20
